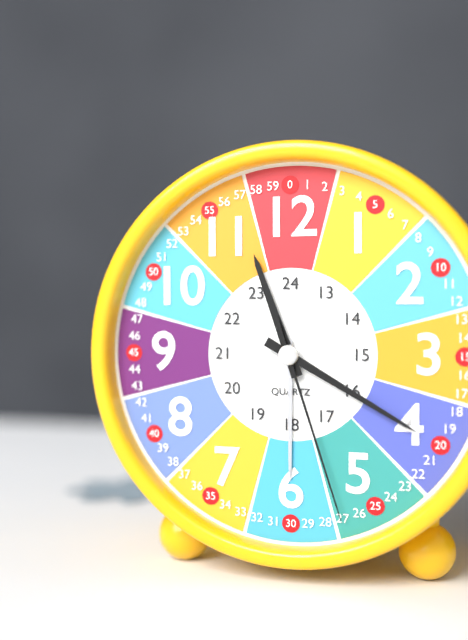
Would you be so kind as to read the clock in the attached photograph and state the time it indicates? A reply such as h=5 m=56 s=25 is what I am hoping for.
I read h=11 m=20 s=27
